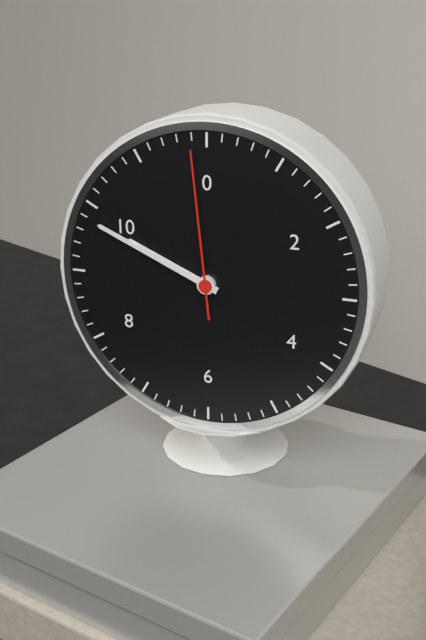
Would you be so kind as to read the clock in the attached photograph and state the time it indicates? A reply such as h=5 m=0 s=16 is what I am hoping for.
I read h=9 m=49 s=59
